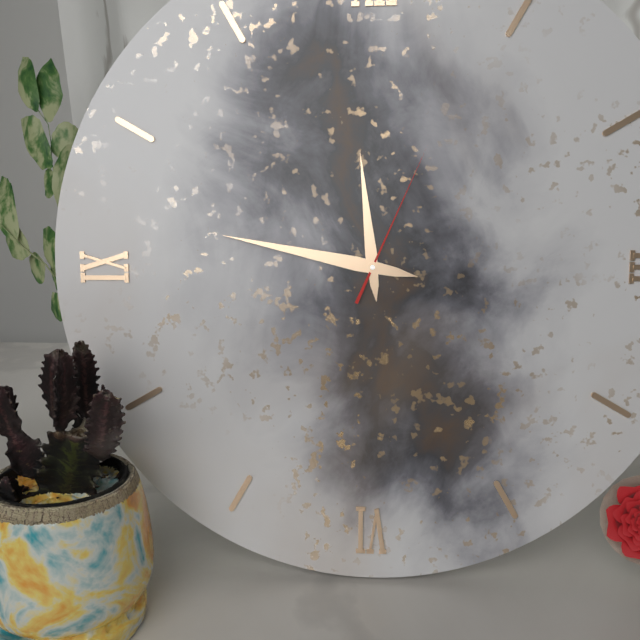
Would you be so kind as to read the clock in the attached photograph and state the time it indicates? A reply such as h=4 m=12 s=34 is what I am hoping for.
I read h=11 m=47 s=4
